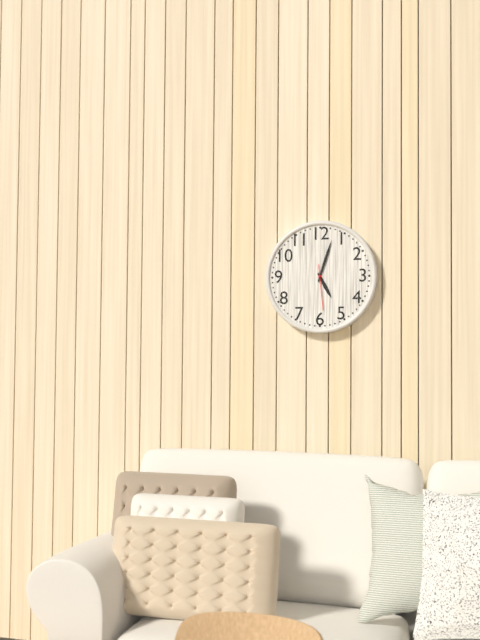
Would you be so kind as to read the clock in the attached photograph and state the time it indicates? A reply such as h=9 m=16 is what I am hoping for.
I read h=5 m=3
